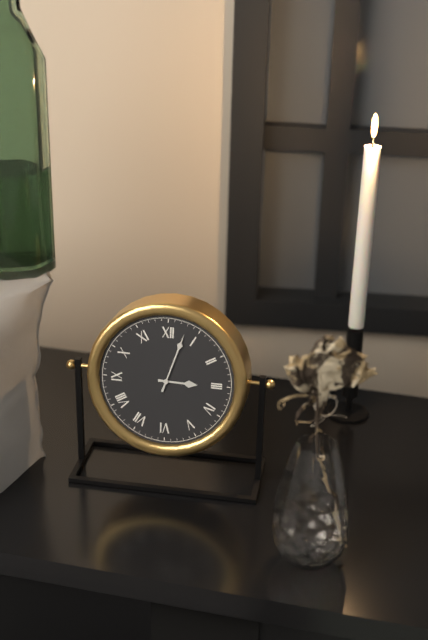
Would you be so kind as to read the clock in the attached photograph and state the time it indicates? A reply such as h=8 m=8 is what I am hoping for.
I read h=3 m=3
